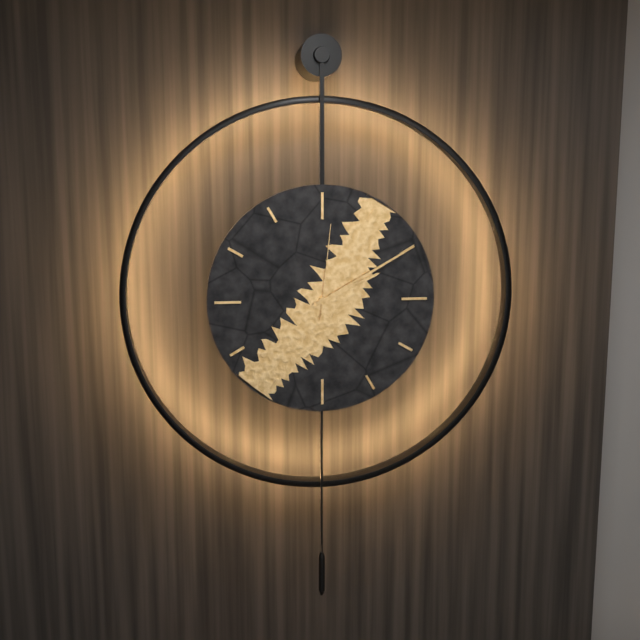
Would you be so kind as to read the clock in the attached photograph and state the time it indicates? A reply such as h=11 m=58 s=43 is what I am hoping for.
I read h=2 m=10 s=1
